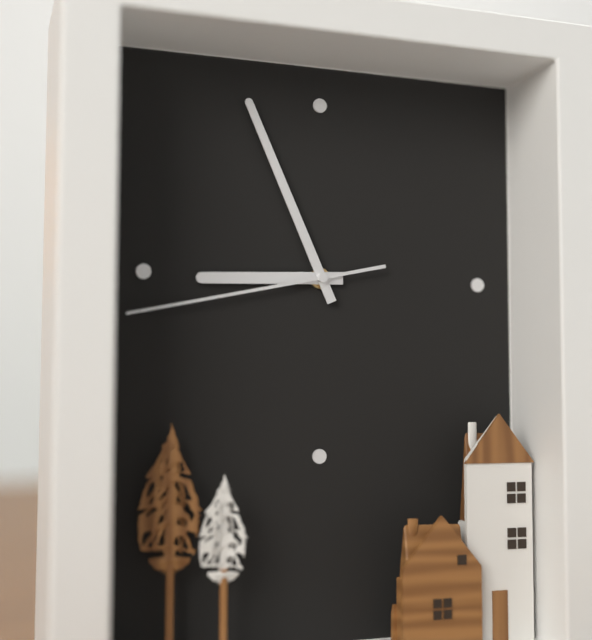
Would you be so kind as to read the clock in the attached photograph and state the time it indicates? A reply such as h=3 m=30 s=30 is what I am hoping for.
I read h=8 m=56 s=43
